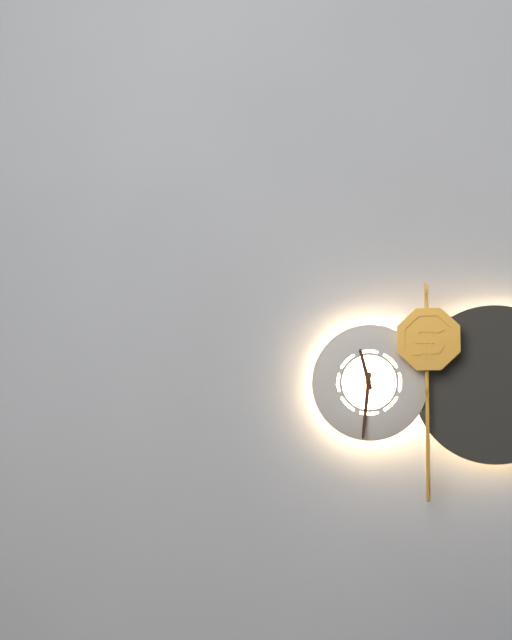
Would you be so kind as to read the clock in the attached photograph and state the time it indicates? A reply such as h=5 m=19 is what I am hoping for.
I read h=11 m=31
